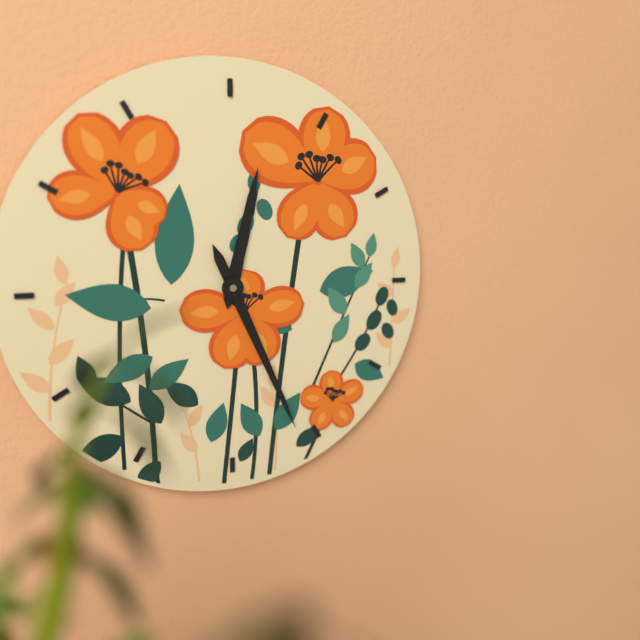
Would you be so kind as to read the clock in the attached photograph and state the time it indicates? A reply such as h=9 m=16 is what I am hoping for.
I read h=12 m=26
